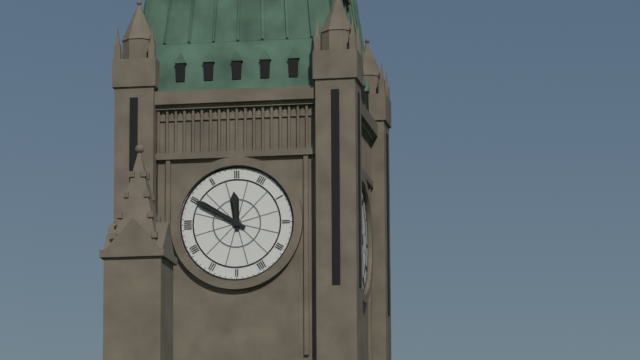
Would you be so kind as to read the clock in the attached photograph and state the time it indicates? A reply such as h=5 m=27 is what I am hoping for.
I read h=11 m=50
